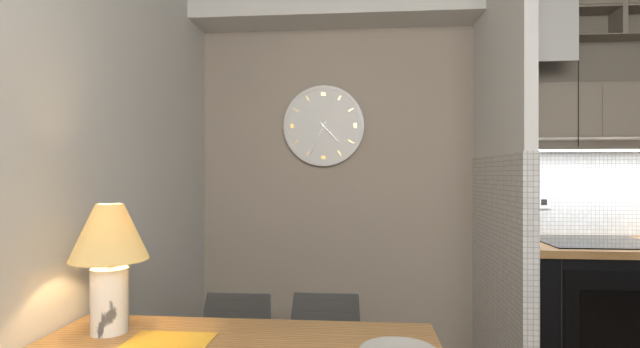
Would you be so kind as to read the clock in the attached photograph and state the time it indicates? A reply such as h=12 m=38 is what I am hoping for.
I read h=4 m=34
